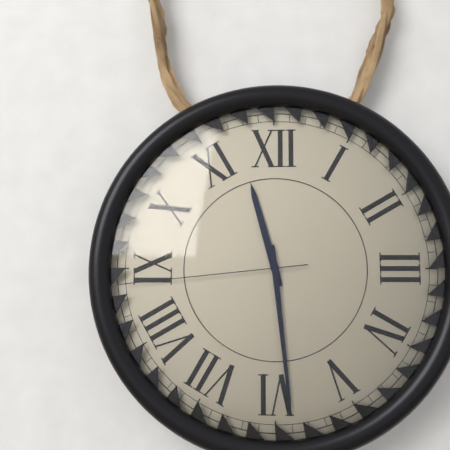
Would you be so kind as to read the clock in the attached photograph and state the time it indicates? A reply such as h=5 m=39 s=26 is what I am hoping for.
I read h=11 m=29 s=44
